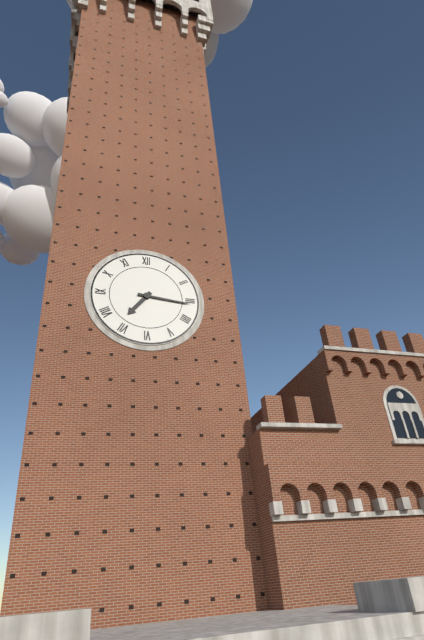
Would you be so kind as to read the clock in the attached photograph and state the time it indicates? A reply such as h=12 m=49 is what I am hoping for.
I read h=7 m=16
